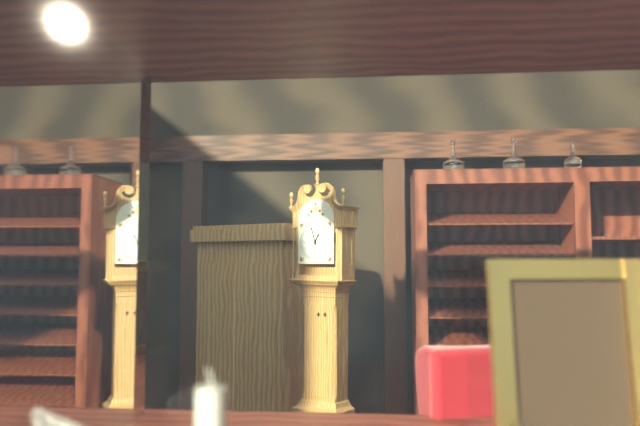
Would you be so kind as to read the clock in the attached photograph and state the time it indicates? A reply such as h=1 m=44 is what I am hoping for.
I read h=12 m=57
